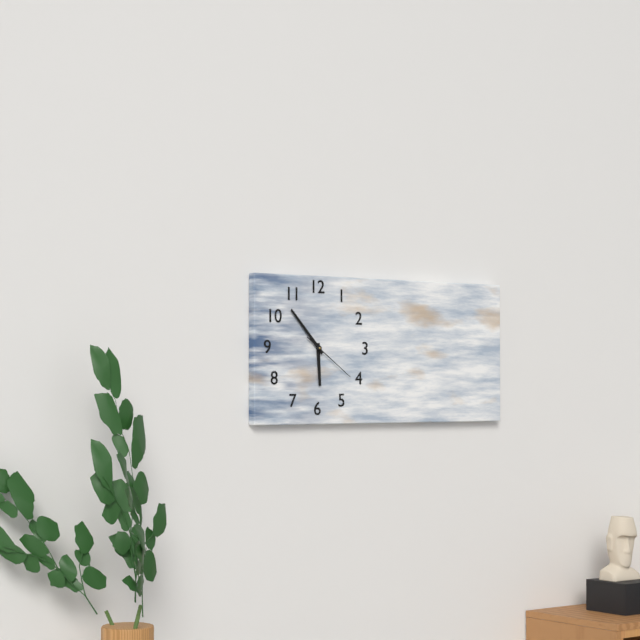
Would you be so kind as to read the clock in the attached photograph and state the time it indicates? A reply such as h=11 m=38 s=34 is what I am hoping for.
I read h=5 m=53 s=21
